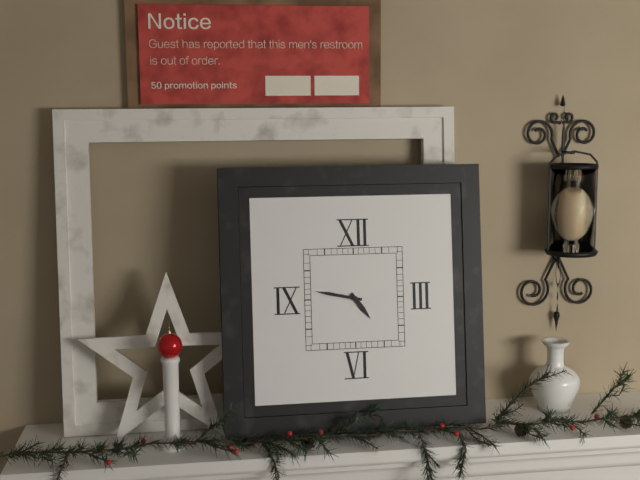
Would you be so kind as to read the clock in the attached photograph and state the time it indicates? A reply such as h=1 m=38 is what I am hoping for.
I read h=4 m=47
